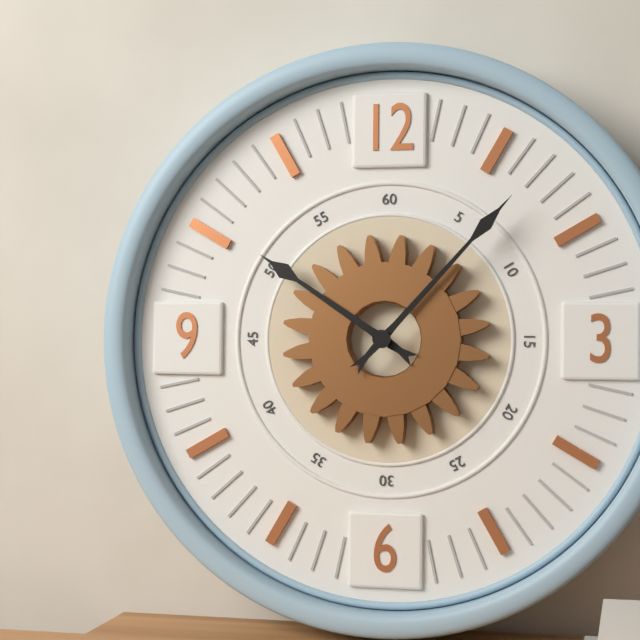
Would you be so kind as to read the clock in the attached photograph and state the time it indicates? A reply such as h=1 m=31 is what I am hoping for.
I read h=10 m=7
